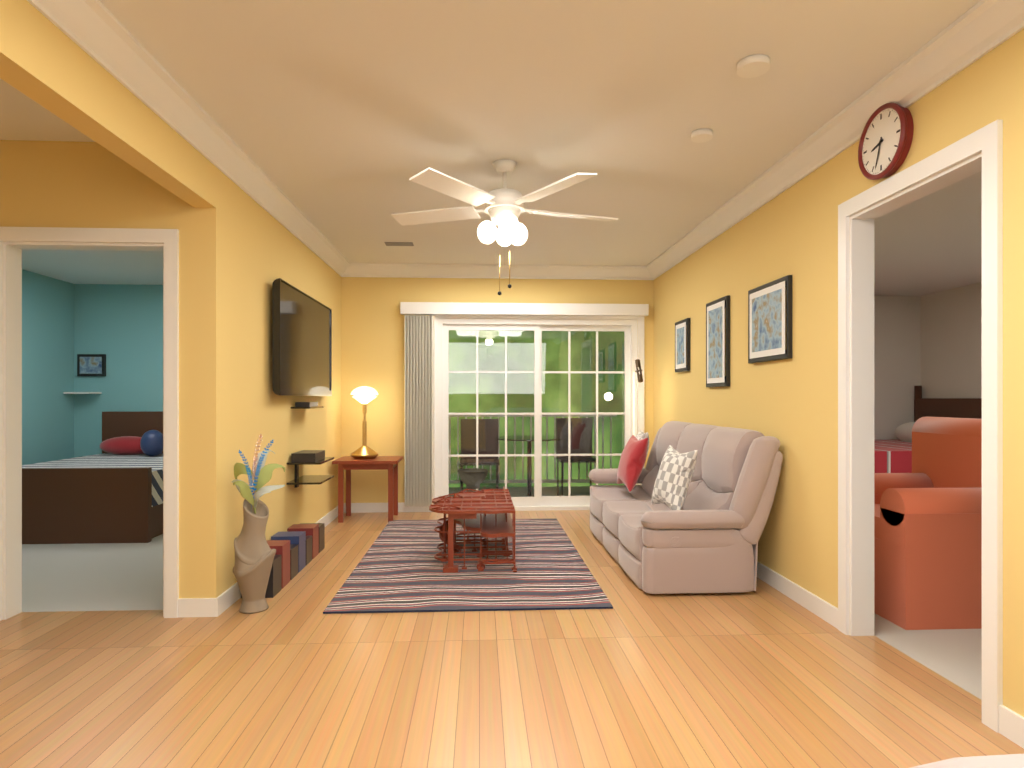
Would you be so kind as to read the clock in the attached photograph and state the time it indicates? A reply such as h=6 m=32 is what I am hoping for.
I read h=8 m=33
